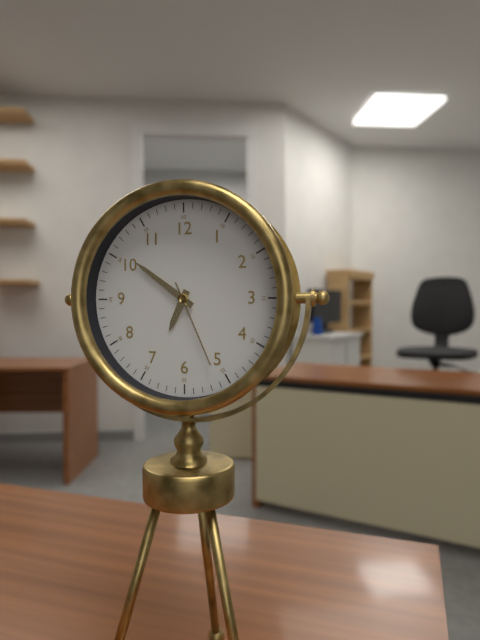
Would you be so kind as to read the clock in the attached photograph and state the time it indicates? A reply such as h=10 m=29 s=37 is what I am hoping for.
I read h=6 m=51 s=26
